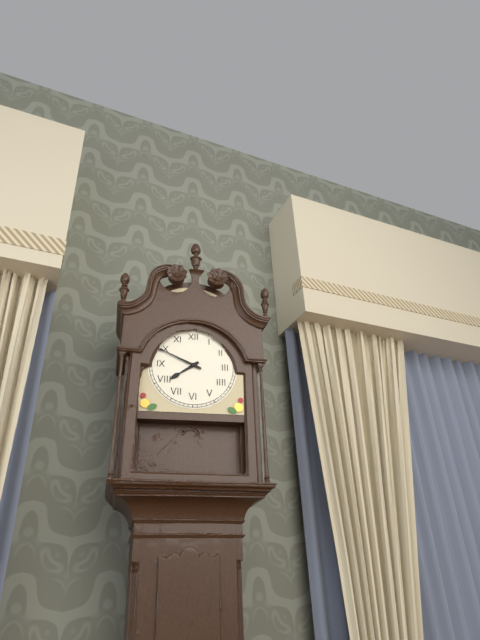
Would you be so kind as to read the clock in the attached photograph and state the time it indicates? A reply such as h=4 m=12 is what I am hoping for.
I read h=7 m=49
